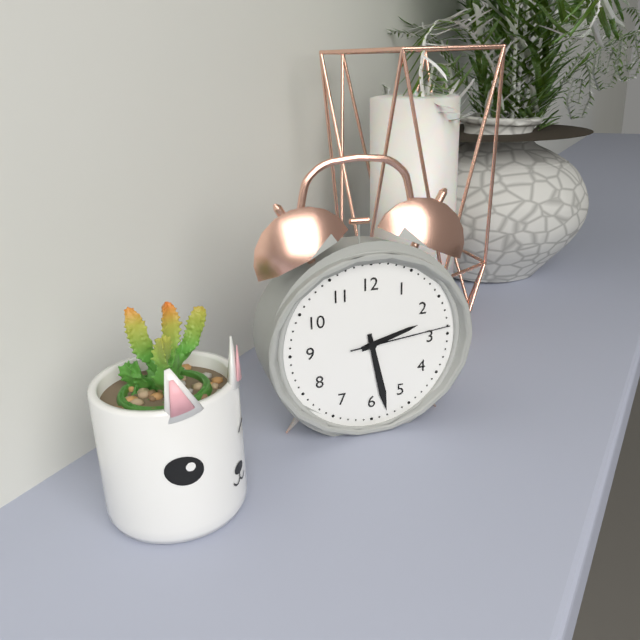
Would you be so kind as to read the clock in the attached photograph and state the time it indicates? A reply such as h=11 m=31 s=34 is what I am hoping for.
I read h=2 m=28 s=14
